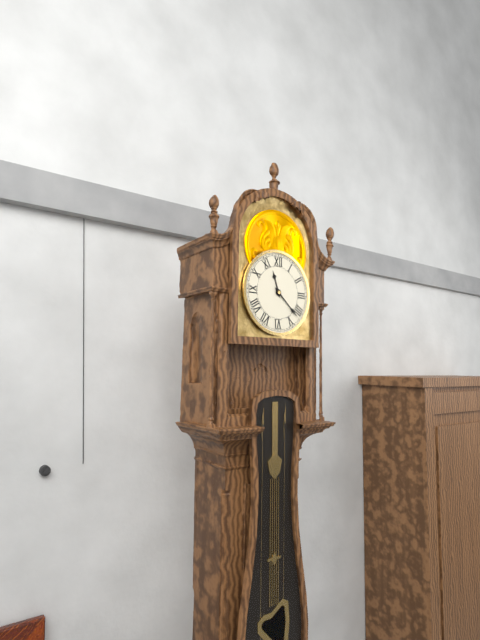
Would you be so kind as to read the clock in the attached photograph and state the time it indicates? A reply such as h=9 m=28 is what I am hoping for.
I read h=11 m=22
